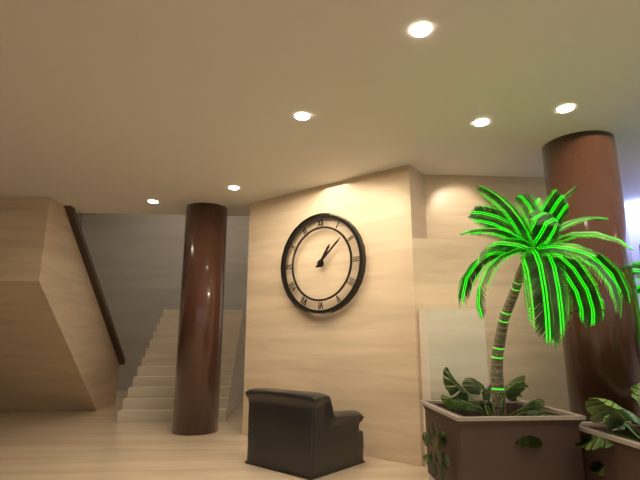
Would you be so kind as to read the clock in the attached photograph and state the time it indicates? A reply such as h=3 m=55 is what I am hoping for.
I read h=1 m=8
